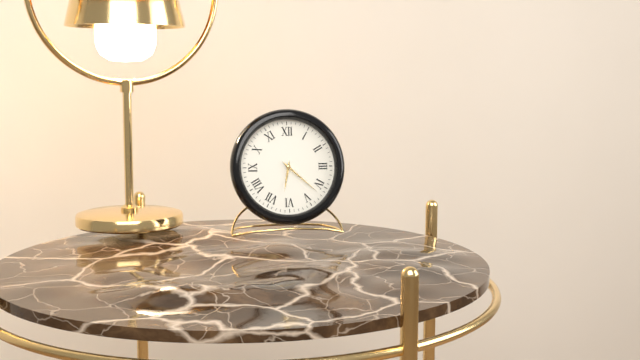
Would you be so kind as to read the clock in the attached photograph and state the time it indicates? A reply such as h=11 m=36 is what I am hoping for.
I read h=6 m=22
